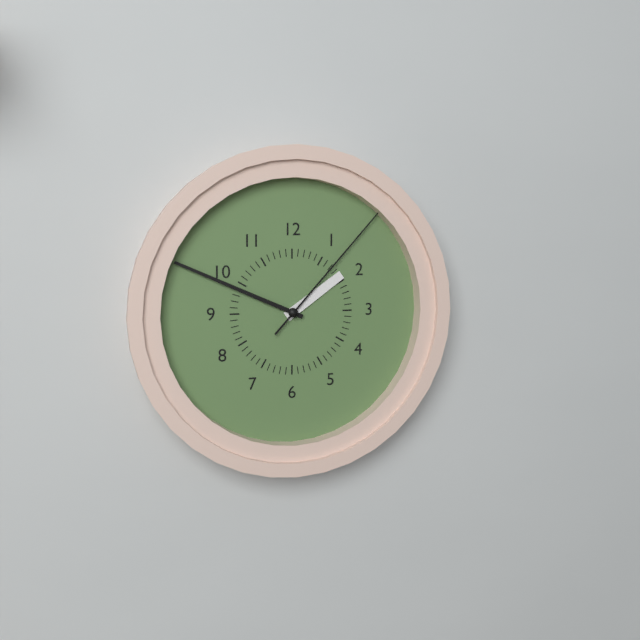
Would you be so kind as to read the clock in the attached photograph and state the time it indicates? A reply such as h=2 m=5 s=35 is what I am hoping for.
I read h=1 m=49 s=7
